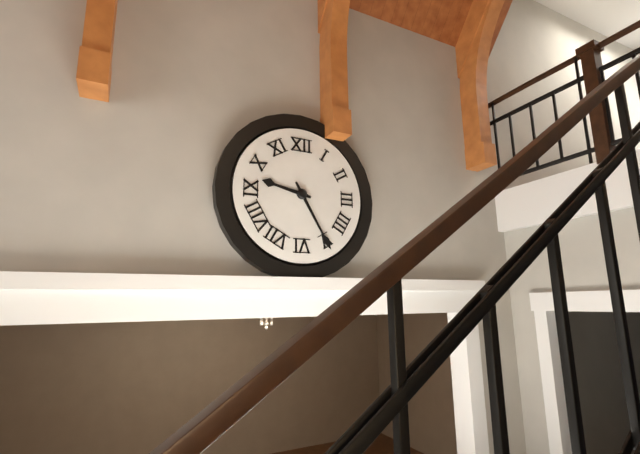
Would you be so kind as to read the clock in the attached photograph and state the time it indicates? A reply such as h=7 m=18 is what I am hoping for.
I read h=9 m=25
